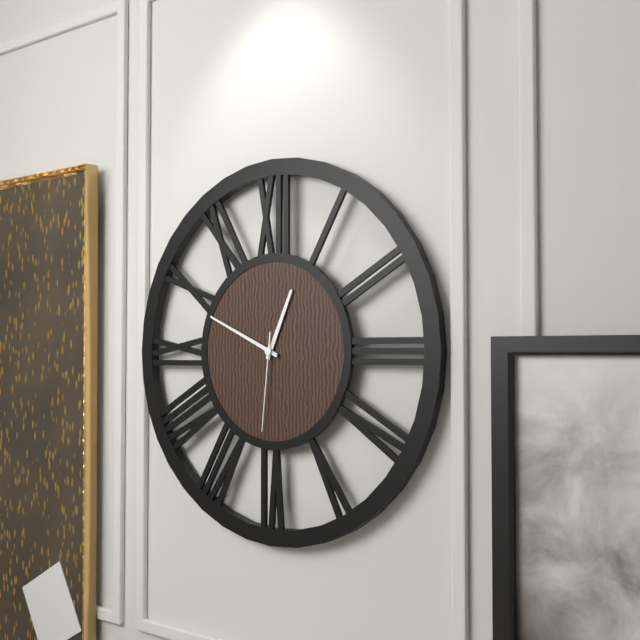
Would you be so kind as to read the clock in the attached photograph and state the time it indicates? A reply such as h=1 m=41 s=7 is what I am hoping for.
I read h=12 m=49 s=31
